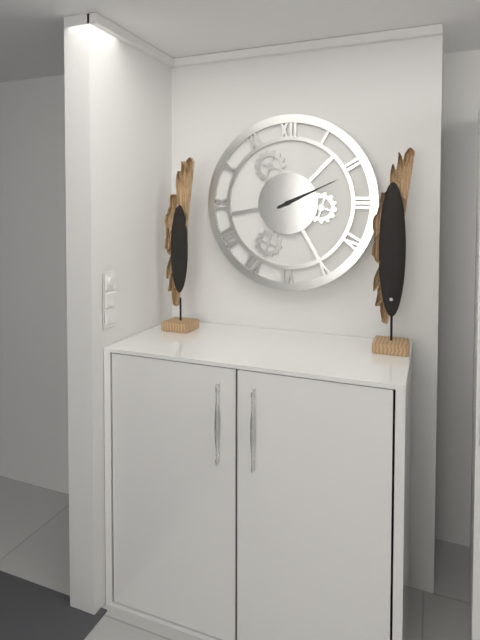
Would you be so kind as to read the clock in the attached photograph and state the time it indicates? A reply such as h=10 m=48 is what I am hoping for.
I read h=2 m=11
